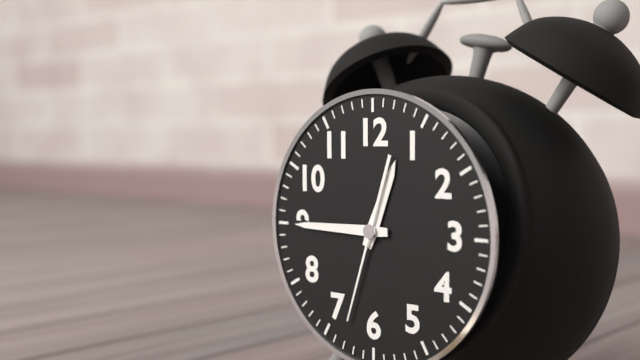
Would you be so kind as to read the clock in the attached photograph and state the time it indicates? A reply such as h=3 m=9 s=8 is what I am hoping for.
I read h=12 m=45 s=33
